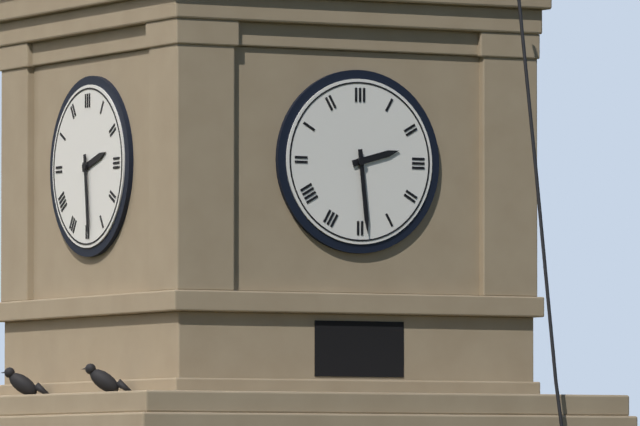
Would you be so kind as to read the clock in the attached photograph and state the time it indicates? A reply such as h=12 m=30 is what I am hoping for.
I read h=2 m=29
